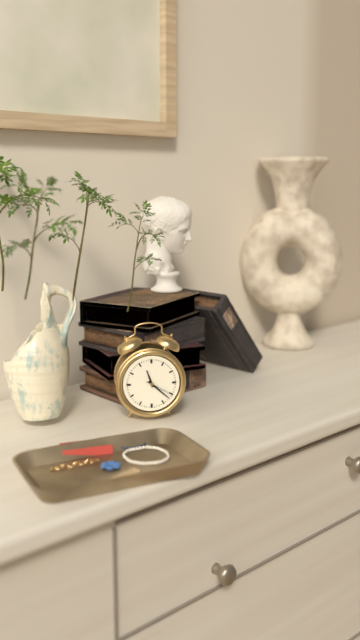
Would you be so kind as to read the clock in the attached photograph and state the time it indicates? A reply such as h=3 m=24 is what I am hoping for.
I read h=11 m=22
